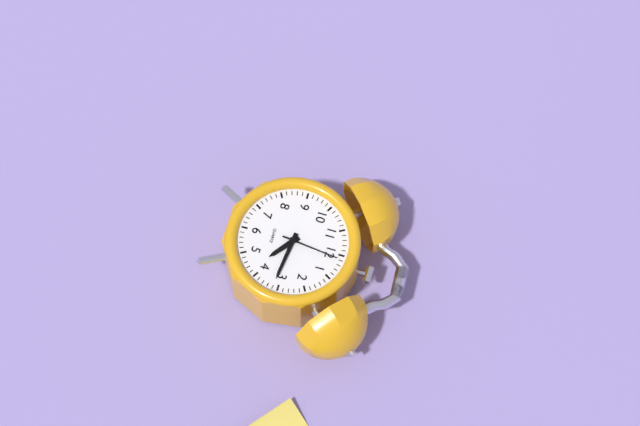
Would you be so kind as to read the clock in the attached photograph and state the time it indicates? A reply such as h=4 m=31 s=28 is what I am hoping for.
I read h=4 m=16 s=1
